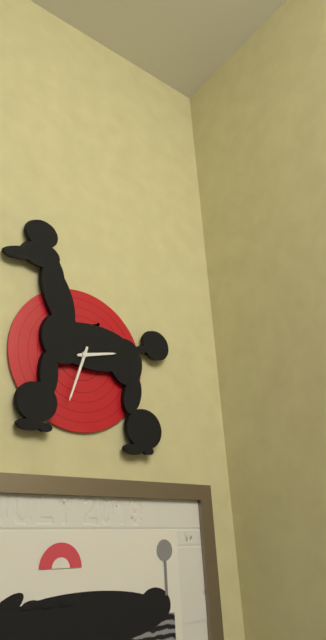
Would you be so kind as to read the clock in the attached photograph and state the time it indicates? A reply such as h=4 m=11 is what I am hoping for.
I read h=2 m=33
